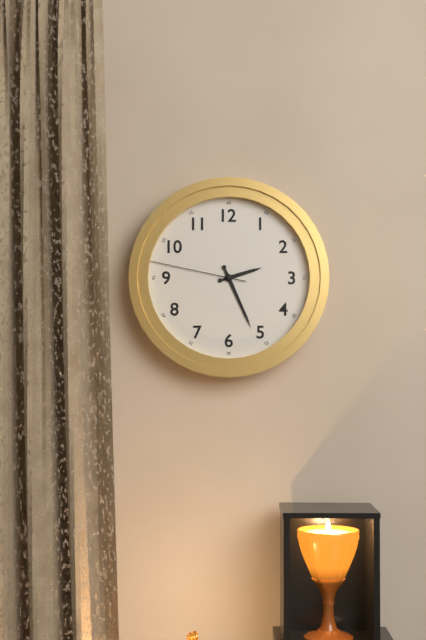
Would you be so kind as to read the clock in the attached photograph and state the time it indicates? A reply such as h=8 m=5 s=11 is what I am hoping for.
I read h=2 m=26 s=47
